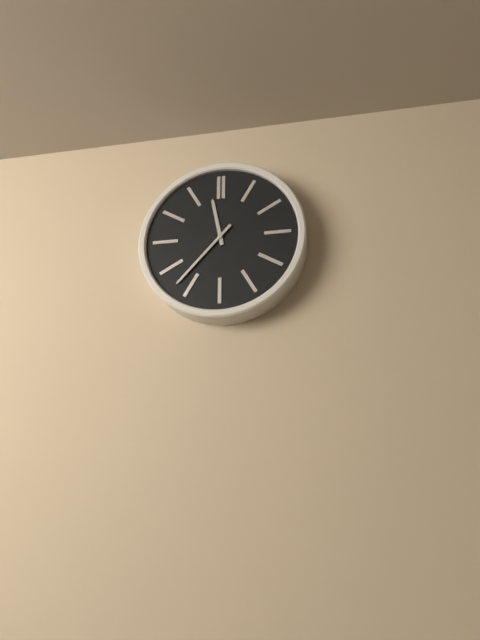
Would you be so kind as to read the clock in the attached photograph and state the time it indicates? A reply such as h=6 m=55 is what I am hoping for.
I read h=11 m=37
